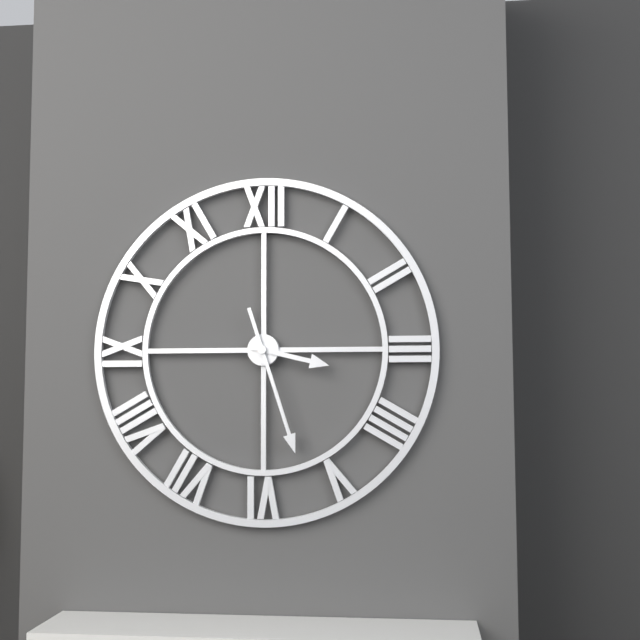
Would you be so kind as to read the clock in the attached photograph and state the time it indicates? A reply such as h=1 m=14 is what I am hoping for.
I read h=3 m=27
